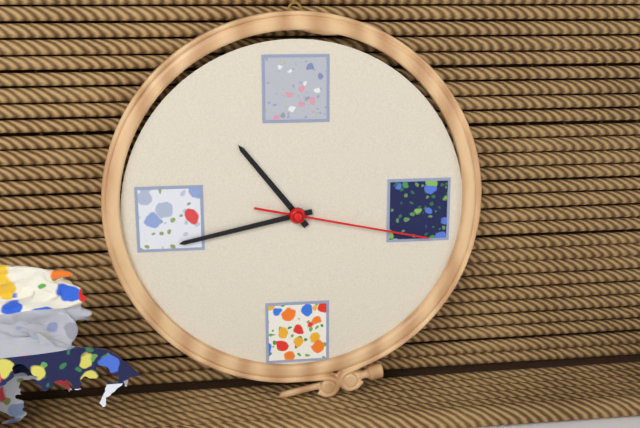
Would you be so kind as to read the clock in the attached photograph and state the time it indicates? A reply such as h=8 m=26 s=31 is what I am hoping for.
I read h=10 m=43 s=17
